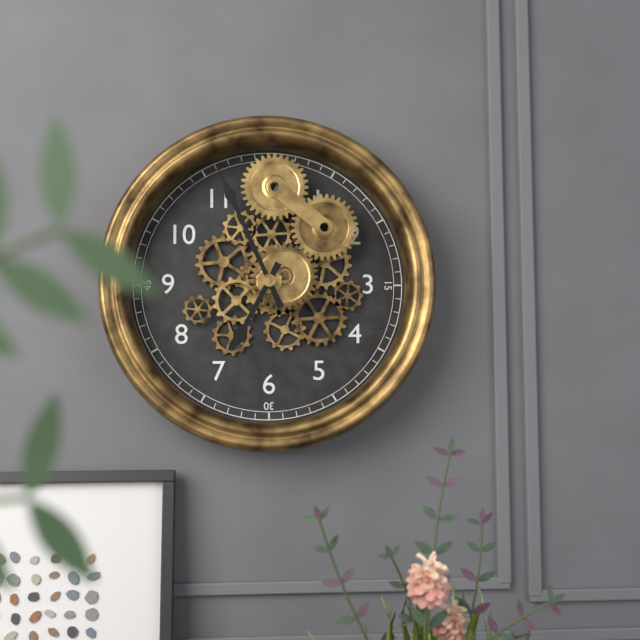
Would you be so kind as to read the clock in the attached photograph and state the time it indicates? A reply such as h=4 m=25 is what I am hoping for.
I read h=6 m=56
